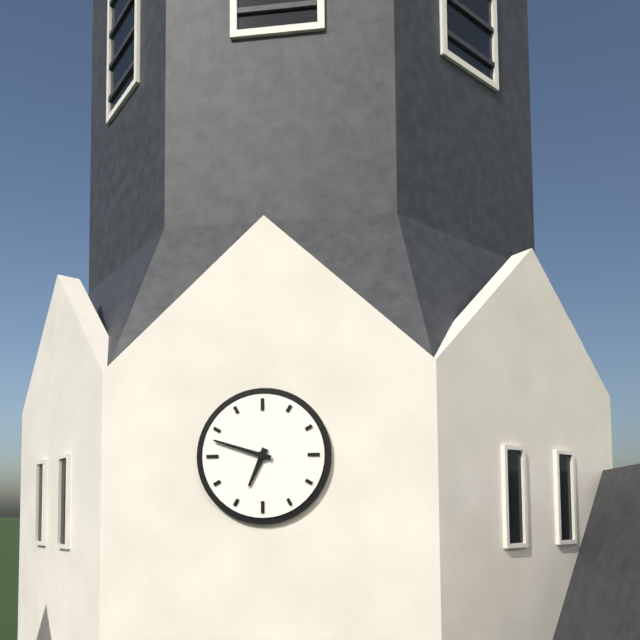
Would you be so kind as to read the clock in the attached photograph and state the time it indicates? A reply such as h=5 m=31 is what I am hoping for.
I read h=6 m=48
